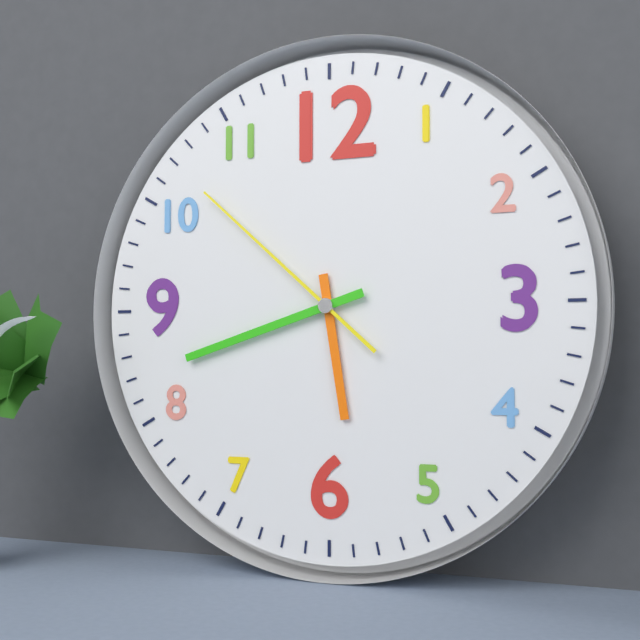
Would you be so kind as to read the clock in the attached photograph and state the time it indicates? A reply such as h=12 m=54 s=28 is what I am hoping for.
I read h=5 m=42 s=52
